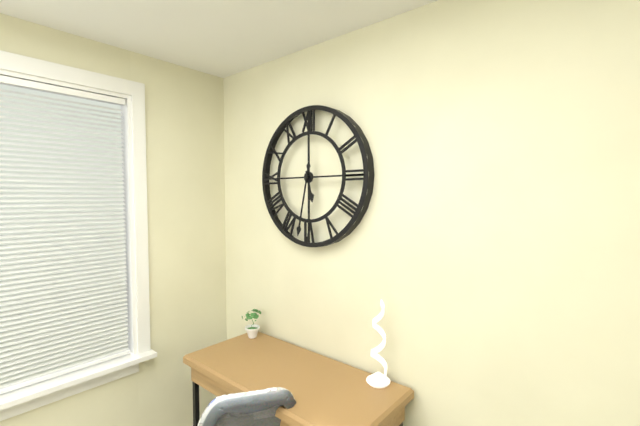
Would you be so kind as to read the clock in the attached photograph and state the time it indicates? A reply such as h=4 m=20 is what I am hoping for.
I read h=5 m=32
